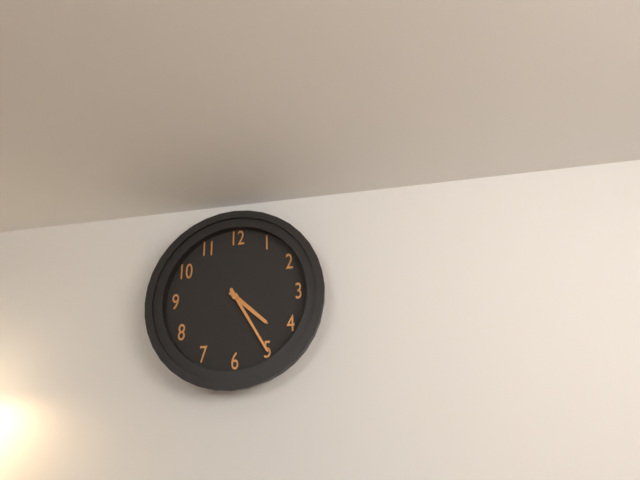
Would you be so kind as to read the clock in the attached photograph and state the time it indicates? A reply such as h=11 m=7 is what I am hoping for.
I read h=4 m=25
